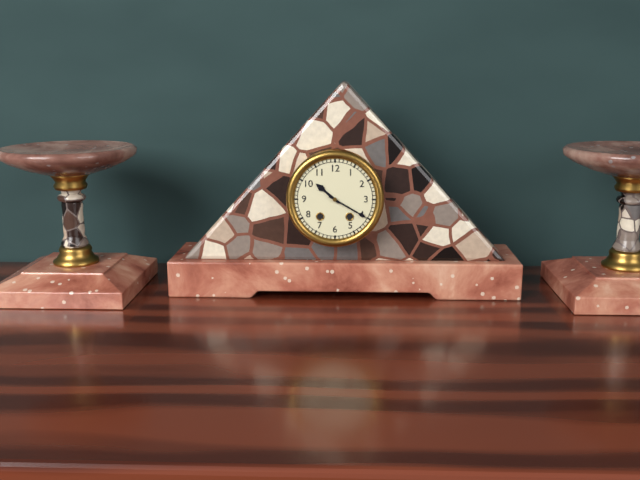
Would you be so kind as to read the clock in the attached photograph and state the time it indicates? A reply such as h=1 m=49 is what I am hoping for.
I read h=10 m=20
